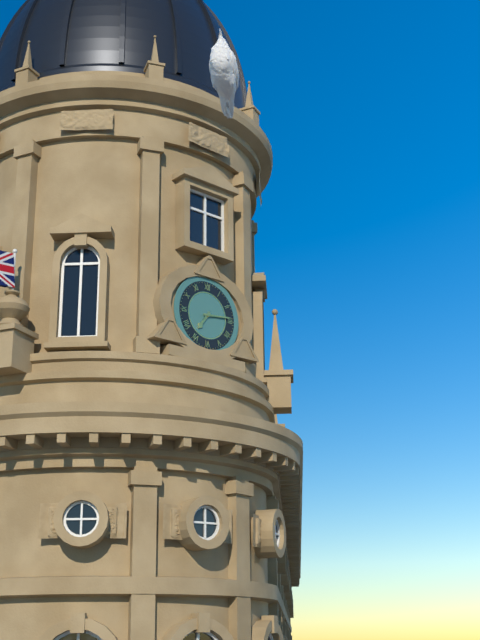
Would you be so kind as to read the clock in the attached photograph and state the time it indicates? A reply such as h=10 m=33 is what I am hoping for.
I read h=7 m=14
